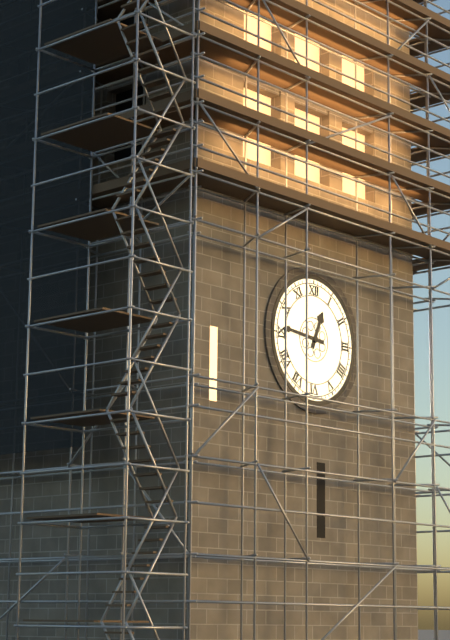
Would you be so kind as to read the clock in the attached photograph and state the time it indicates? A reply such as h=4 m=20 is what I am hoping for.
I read h=12 m=46
